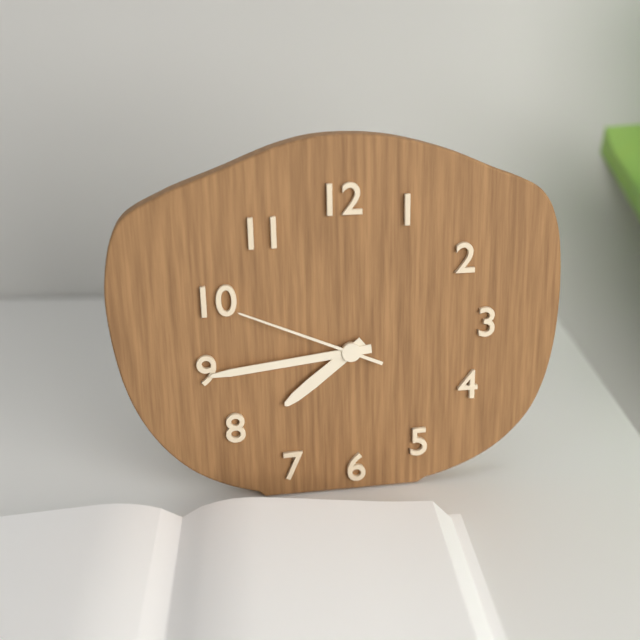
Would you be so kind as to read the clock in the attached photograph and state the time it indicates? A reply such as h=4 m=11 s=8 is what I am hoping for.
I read h=7 m=44 s=49
